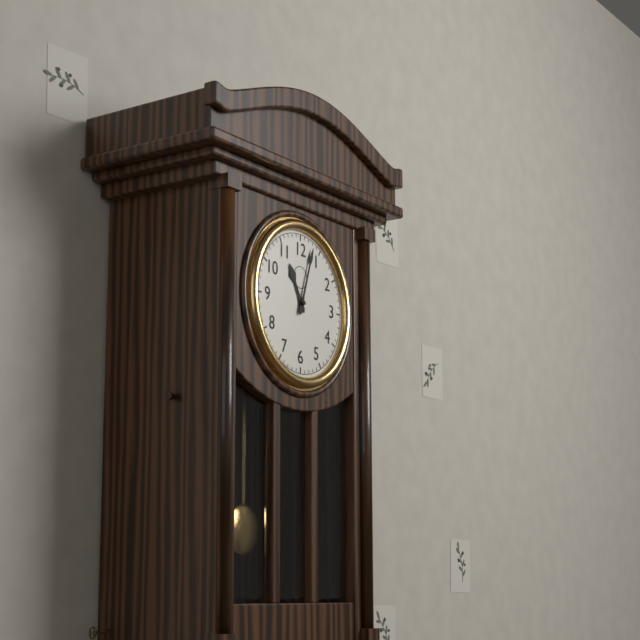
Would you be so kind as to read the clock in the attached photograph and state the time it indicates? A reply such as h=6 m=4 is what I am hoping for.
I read h=11 m=3
